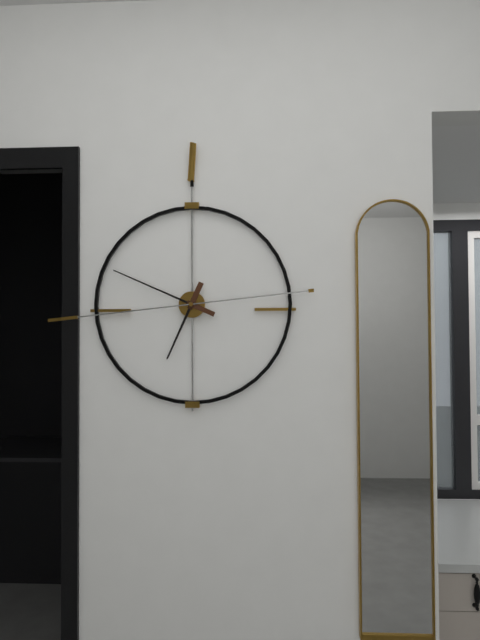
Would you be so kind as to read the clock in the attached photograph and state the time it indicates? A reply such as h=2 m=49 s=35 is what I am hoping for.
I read h=6 m=49 s=44
